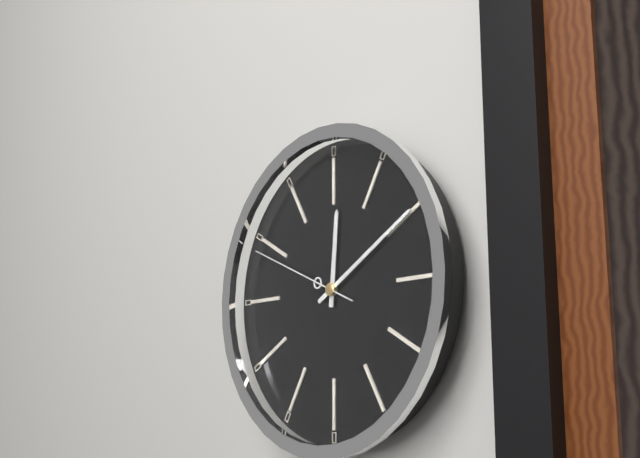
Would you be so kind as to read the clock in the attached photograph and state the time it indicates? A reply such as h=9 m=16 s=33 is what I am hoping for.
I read h=12 m=10 s=49
